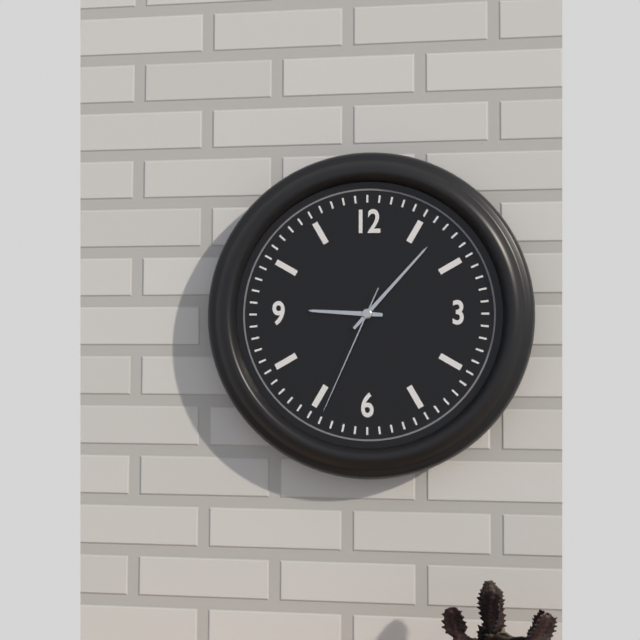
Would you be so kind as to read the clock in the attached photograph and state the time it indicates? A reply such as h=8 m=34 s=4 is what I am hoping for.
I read h=9 m=7 s=34
